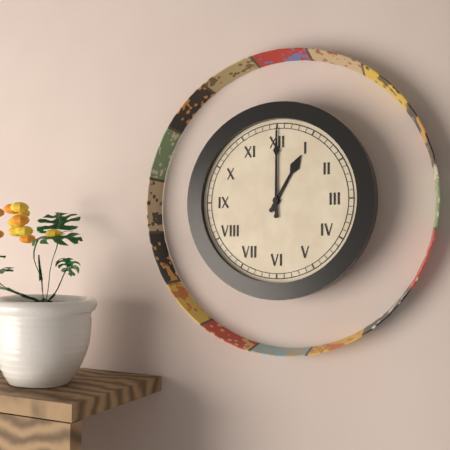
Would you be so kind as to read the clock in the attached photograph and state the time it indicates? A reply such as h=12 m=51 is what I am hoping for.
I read h=1 m=0
